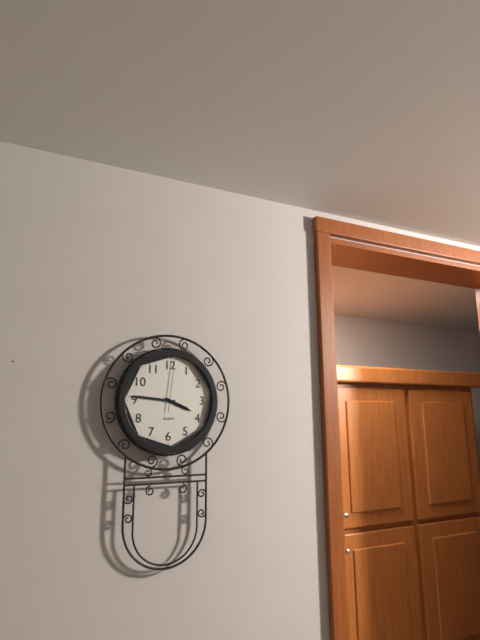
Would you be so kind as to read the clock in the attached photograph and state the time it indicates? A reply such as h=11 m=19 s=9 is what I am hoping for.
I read h=3 m=46 s=1
